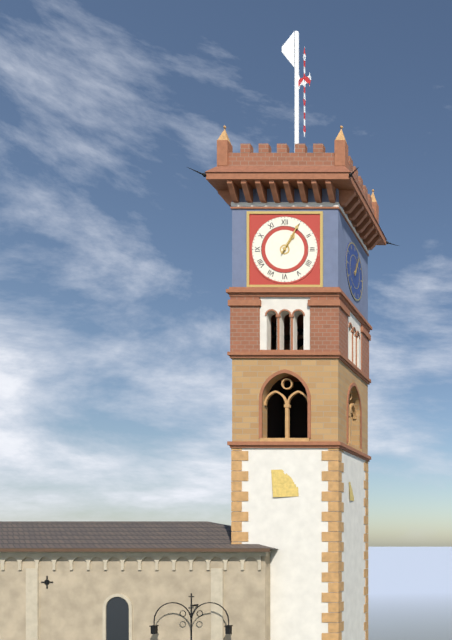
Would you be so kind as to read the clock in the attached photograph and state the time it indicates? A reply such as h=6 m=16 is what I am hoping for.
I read h=1 m=5
